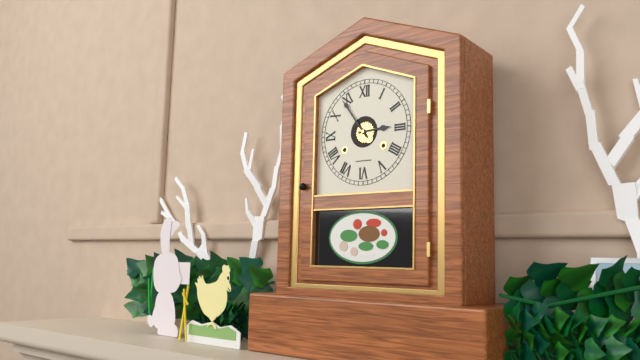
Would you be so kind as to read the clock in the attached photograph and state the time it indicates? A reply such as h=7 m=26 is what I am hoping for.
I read h=2 m=54
